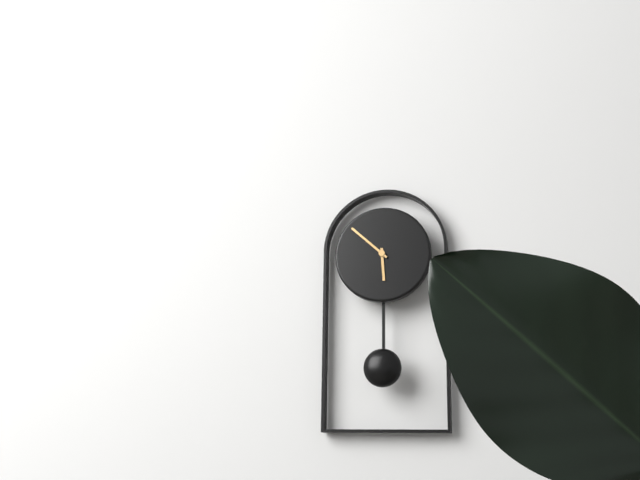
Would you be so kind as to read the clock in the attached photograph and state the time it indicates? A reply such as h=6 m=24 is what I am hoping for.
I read h=5 m=52
